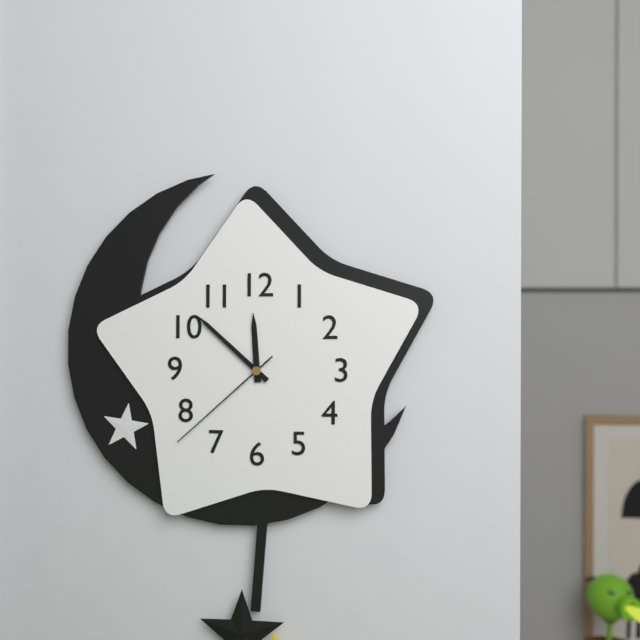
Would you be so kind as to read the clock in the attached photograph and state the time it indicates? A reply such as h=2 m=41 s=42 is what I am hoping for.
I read h=11 m=52 s=38
